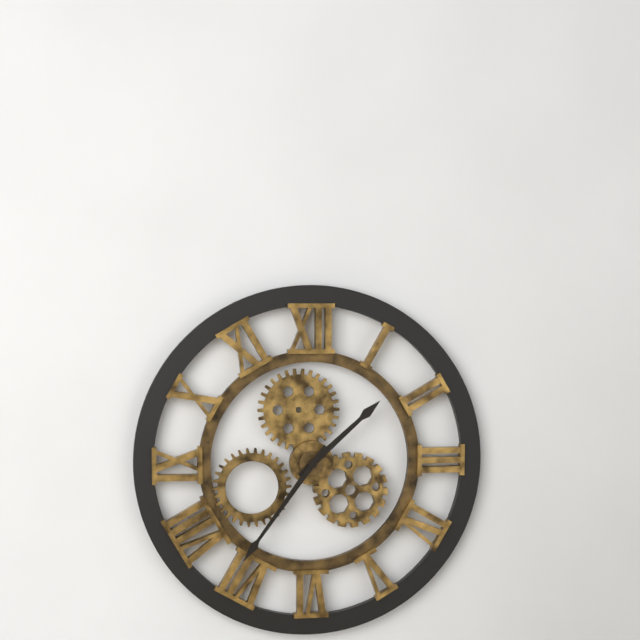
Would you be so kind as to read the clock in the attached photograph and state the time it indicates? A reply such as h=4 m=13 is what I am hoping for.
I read h=1 m=36
